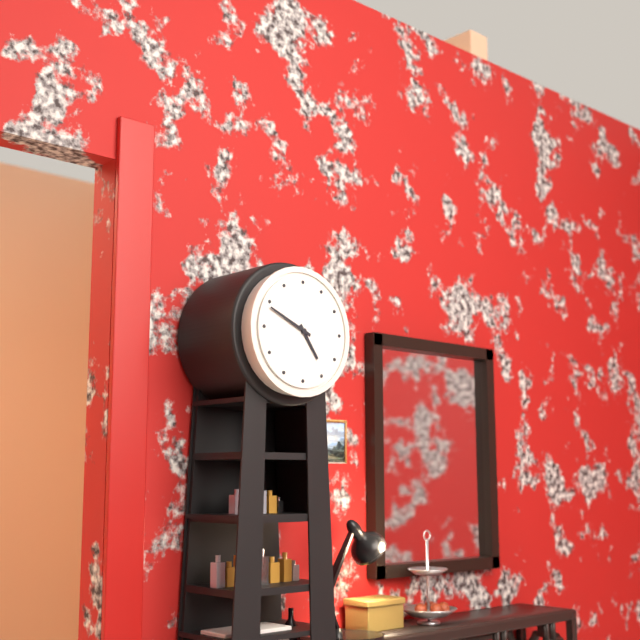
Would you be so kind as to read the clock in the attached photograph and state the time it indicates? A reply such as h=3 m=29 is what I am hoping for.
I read h=4 m=49
